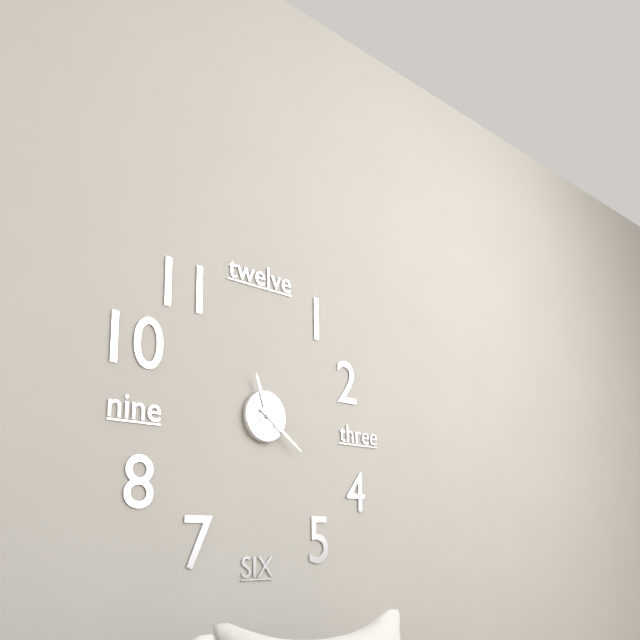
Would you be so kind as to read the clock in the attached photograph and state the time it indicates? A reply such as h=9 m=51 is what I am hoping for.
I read h=11 m=21
